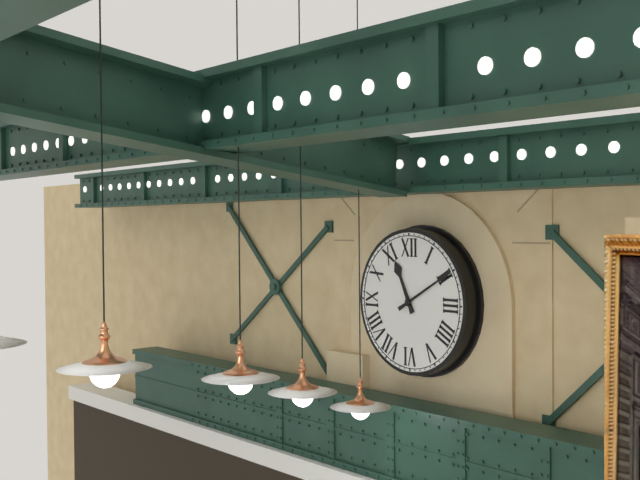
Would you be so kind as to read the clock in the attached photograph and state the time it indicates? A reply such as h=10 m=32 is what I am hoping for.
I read h=11 m=10
